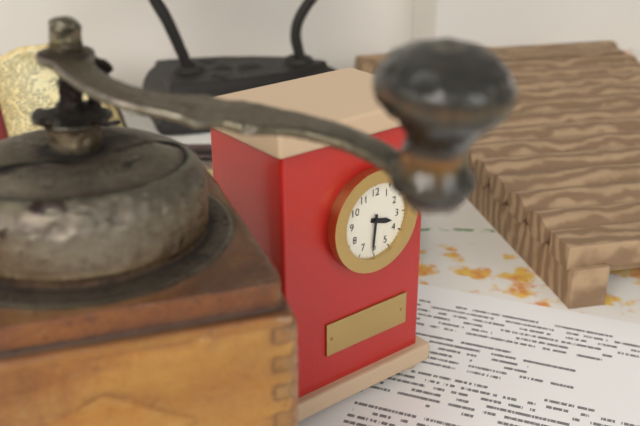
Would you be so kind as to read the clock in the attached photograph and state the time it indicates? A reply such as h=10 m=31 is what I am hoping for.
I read h=3 m=31
